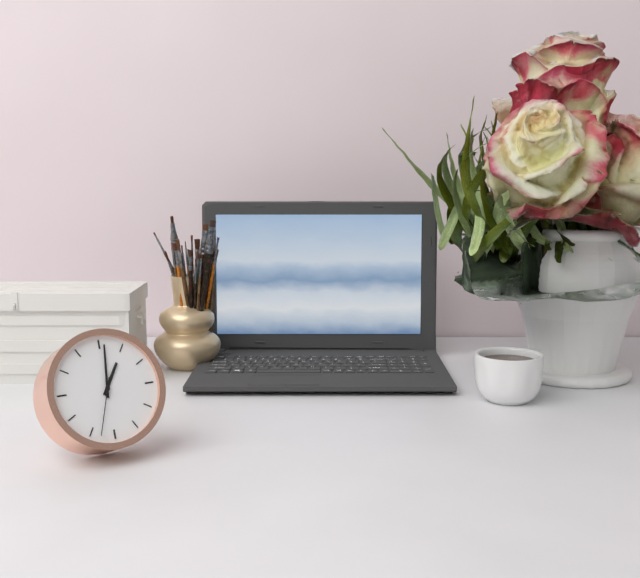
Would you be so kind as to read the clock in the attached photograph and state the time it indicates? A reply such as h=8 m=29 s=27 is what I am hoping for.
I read h=1 m=1 s=33
